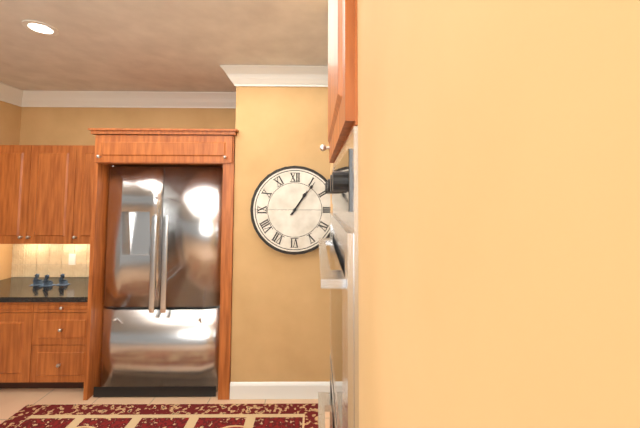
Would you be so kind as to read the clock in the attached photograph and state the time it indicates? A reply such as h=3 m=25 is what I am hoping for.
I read h=1 m=6
